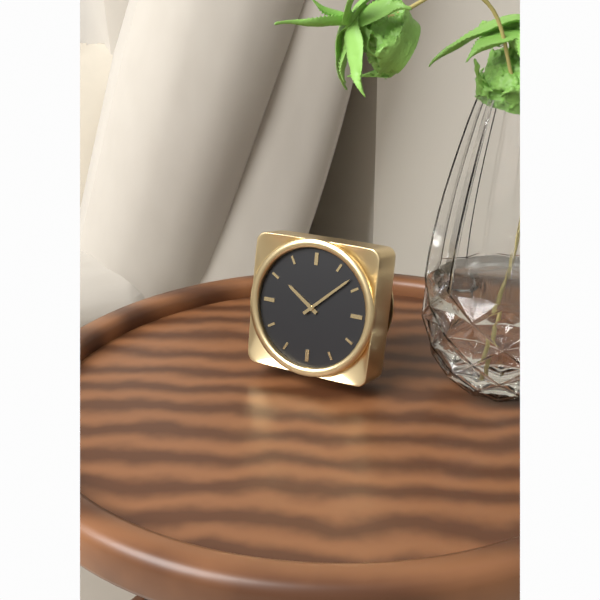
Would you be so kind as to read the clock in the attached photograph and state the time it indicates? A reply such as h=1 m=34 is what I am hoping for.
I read h=10 m=8
